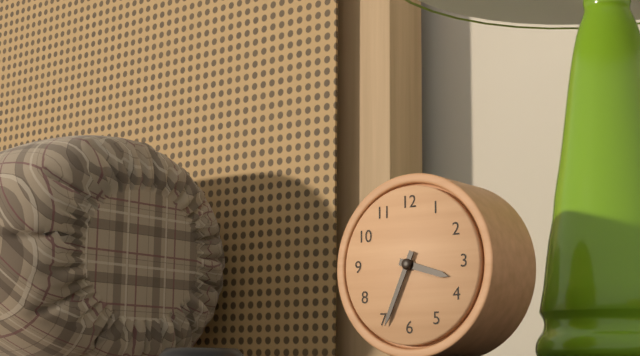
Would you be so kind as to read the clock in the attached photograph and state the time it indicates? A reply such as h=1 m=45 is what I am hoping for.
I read h=3 m=34
